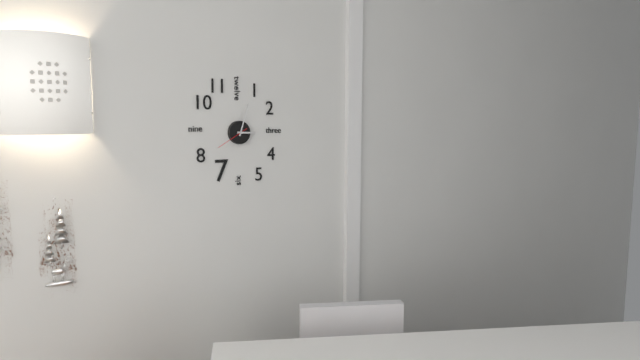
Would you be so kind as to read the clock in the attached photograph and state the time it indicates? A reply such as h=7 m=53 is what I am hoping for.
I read h=3 m=3
